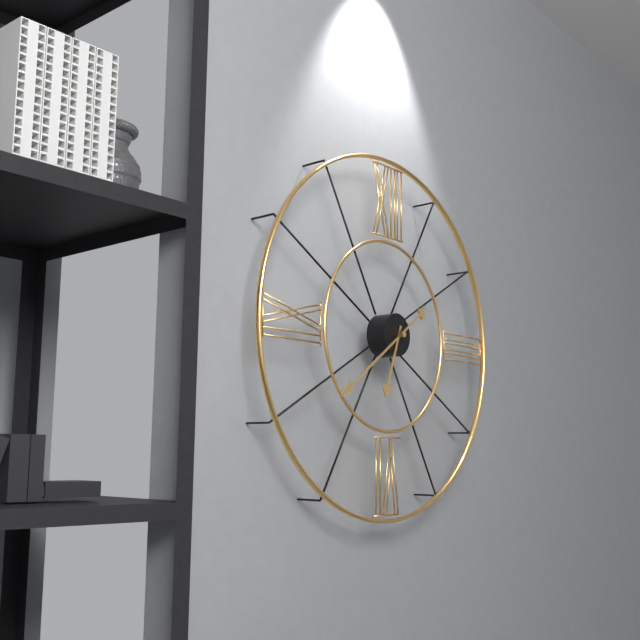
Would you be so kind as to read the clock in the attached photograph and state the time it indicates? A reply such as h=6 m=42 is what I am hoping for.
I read h=6 m=39
